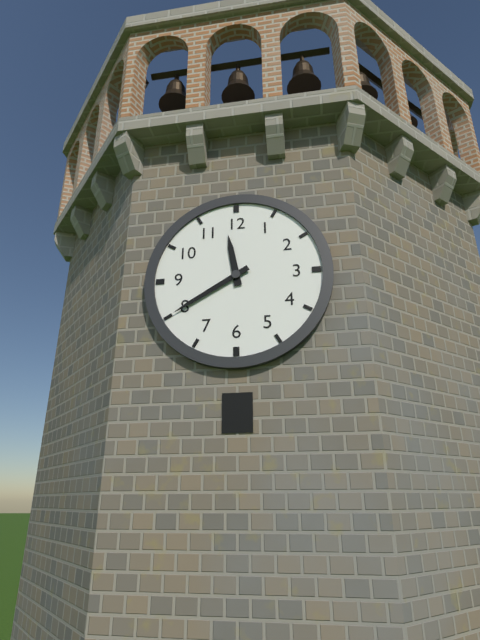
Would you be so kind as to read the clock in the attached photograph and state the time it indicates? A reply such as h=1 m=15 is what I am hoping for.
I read h=11 m=40
